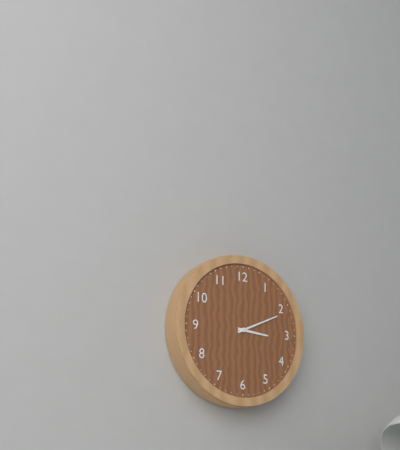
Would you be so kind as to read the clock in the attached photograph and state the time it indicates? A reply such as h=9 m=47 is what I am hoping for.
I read h=3 m=11
